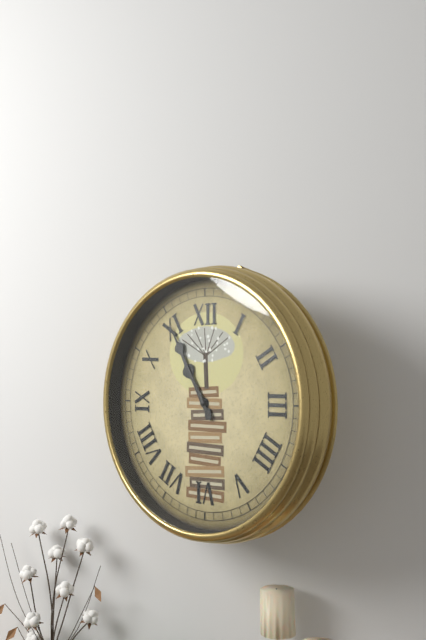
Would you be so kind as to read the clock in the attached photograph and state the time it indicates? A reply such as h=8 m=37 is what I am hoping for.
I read h=10 m=55
